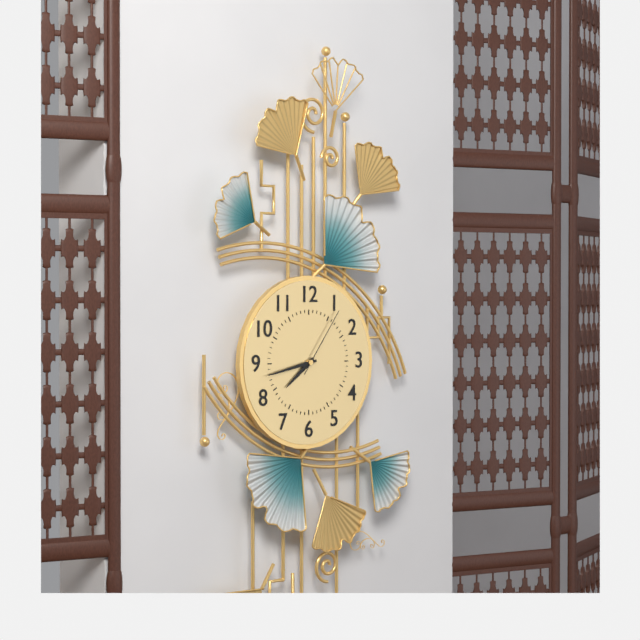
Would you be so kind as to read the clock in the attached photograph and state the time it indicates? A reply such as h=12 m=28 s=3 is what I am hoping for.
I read h=7 m=43 s=6
